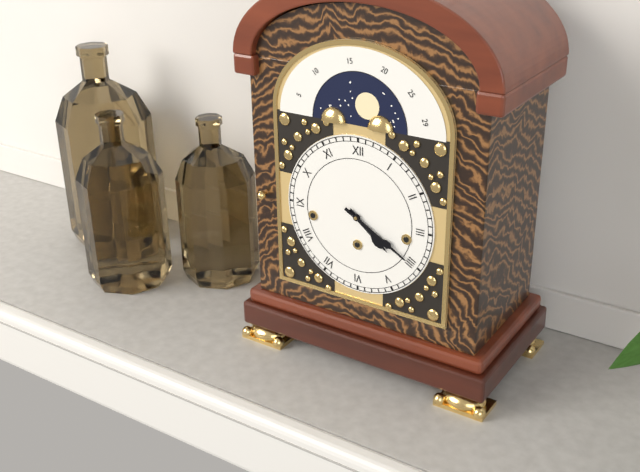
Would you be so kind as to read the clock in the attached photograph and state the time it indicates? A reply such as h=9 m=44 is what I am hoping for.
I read h=4 m=20
